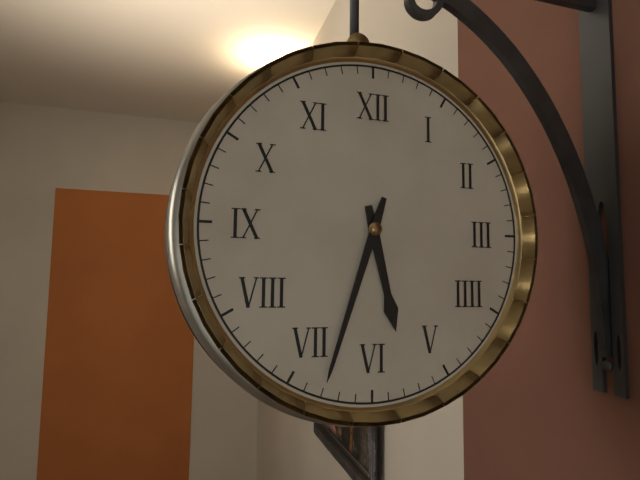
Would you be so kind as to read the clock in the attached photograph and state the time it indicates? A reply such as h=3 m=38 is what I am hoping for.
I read h=5 m=33
